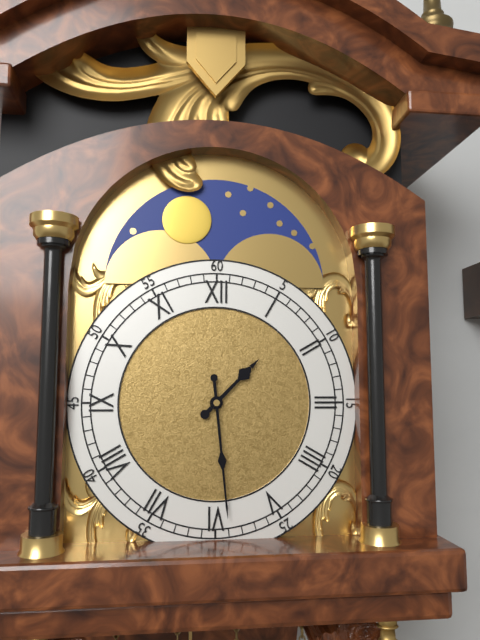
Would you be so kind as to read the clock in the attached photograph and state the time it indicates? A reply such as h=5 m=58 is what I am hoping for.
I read h=1 m=29
